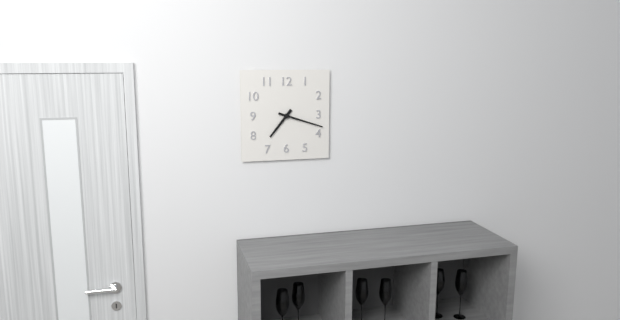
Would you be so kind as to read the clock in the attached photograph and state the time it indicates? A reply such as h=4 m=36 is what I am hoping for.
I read h=7 m=18
